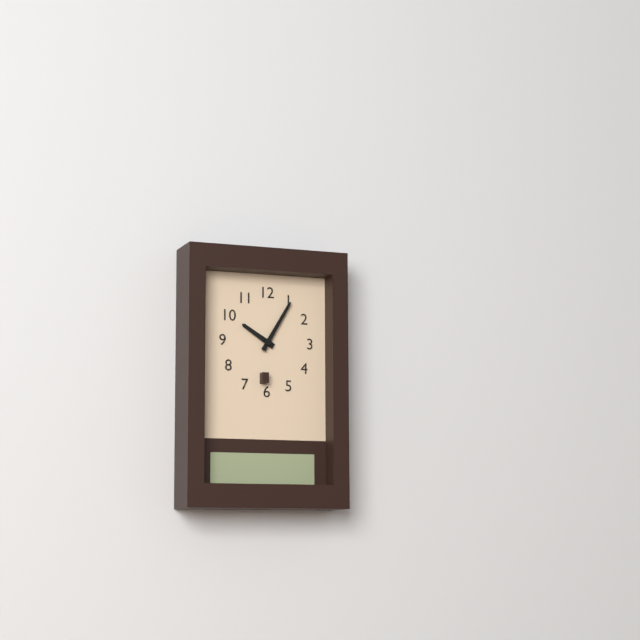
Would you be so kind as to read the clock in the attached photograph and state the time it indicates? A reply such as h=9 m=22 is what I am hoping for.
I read h=10 m=5
